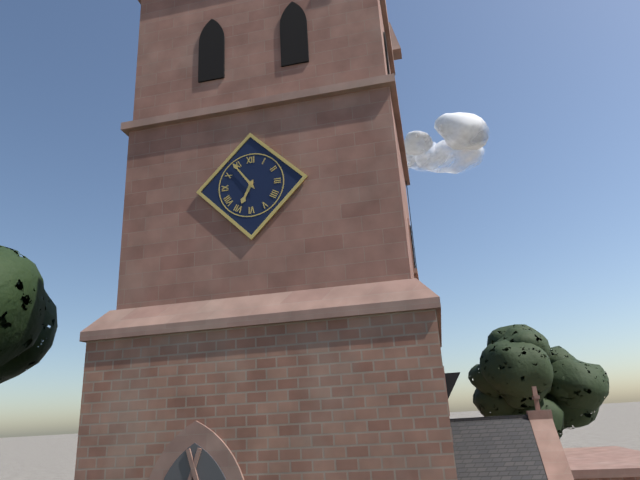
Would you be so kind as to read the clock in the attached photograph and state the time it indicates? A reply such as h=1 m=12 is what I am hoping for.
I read h=6 m=54
